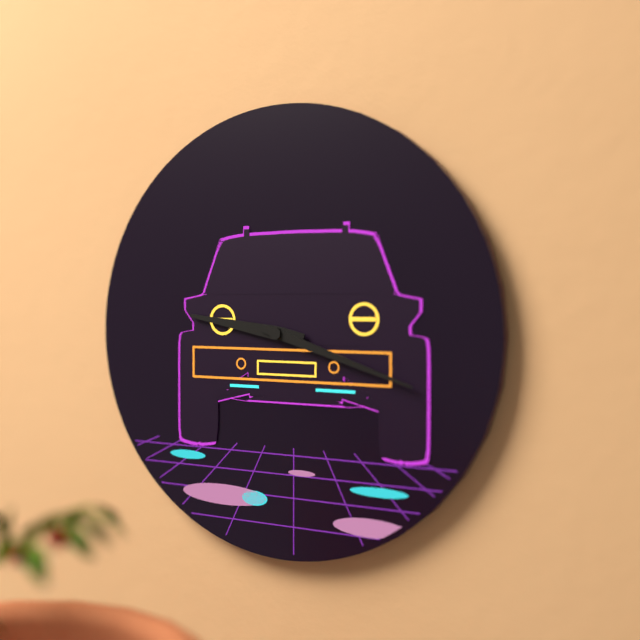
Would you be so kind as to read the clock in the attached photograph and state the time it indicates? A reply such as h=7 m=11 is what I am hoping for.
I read h=9 m=18
